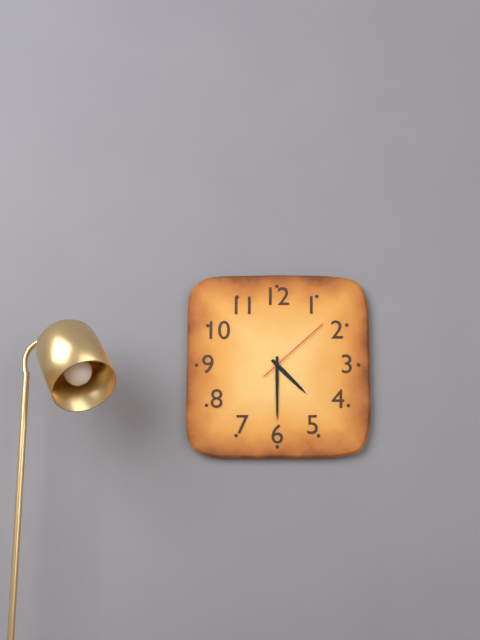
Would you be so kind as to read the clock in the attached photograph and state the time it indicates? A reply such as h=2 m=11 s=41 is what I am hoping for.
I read h=4 m=30 s=8
